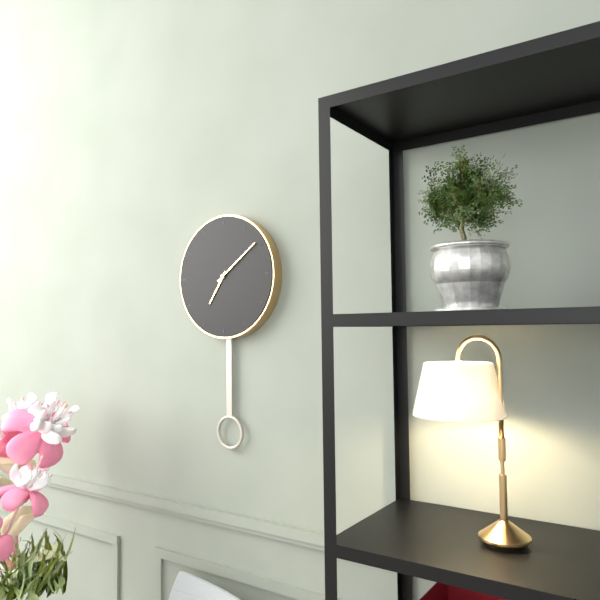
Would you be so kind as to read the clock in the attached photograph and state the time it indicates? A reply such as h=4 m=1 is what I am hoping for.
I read h=7 m=9
